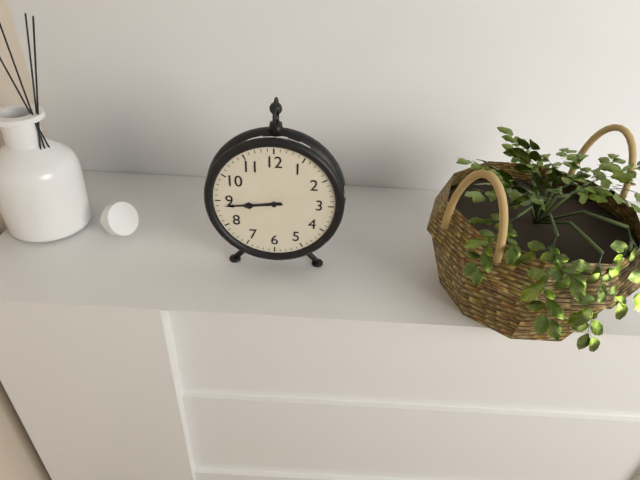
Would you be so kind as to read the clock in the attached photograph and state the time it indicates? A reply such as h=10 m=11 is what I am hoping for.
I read h=8 m=44
